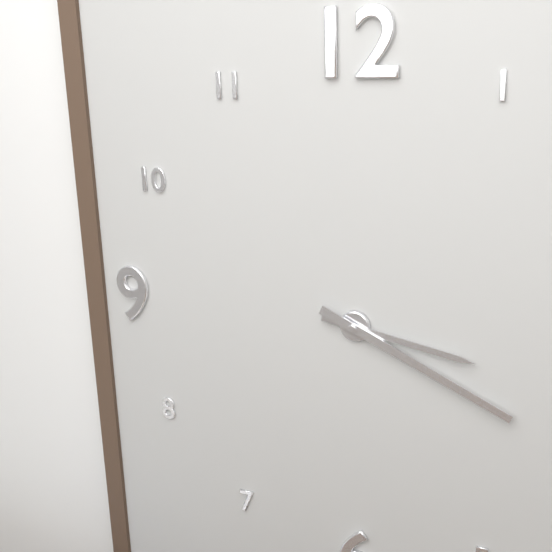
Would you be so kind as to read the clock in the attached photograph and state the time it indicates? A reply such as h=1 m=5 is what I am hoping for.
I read h=3 m=19
